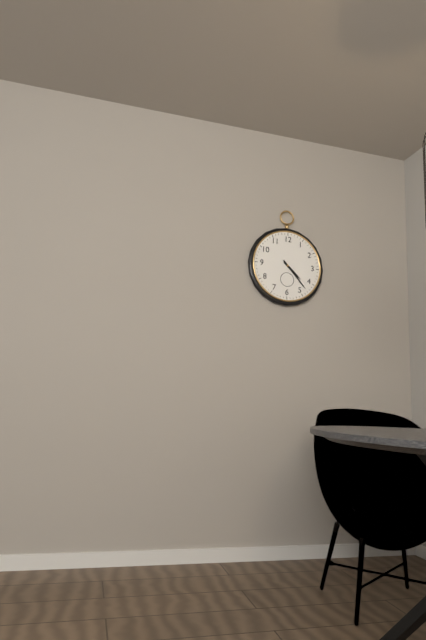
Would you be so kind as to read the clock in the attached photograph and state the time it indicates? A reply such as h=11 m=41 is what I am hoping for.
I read h=4 m=23
